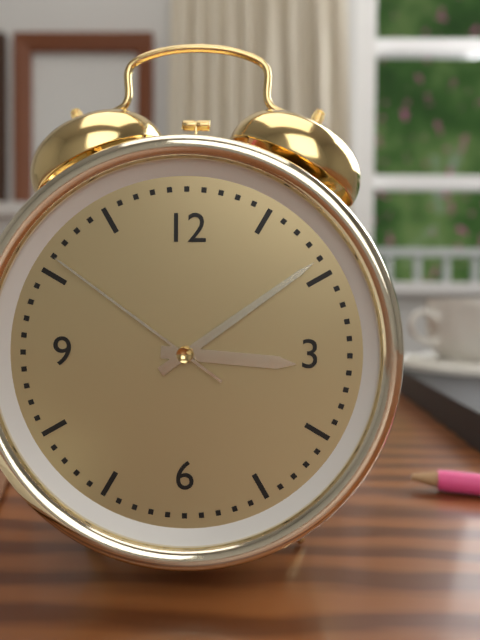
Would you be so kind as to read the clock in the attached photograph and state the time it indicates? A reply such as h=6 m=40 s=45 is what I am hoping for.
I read h=3 m=9 s=51
